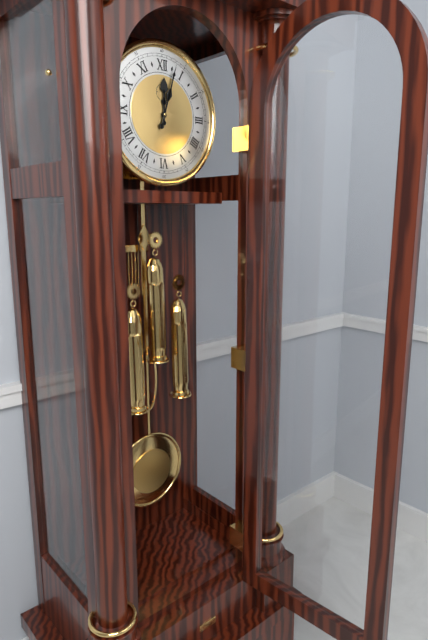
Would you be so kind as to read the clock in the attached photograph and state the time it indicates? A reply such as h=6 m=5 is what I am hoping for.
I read h=12 m=3
